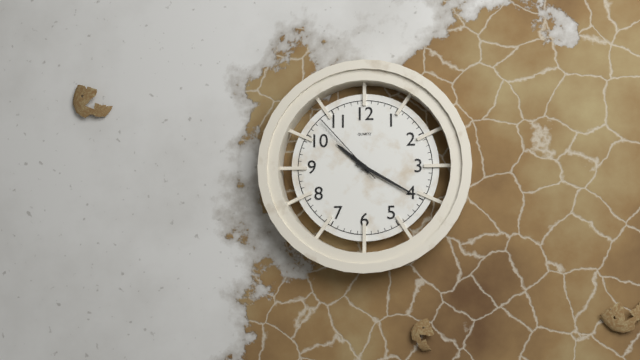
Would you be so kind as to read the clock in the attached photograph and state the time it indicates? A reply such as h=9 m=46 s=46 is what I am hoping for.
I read h=10 m=20 s=53
